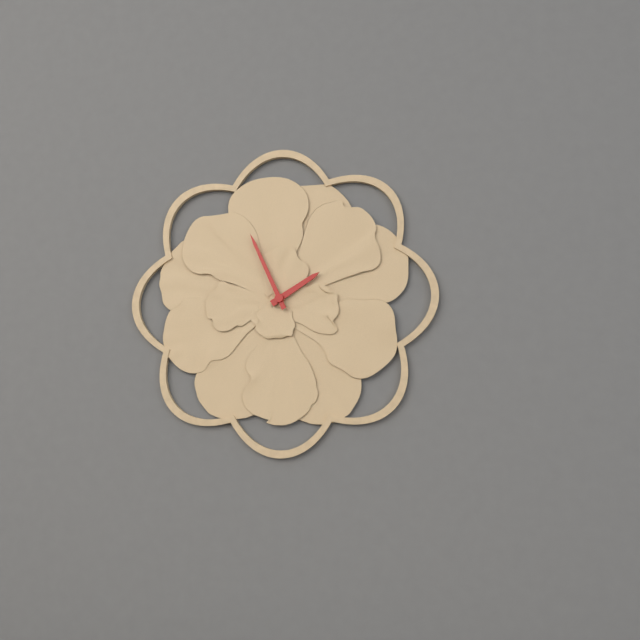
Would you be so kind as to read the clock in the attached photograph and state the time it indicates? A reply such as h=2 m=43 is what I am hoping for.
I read h=1 m=56
